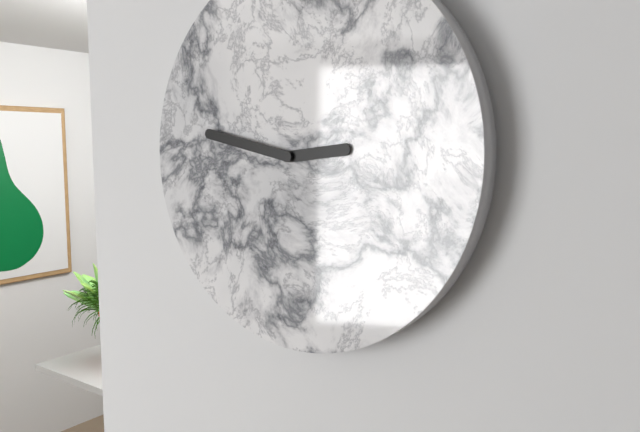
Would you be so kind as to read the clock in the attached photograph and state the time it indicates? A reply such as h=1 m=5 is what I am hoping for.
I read h=2 m=47
